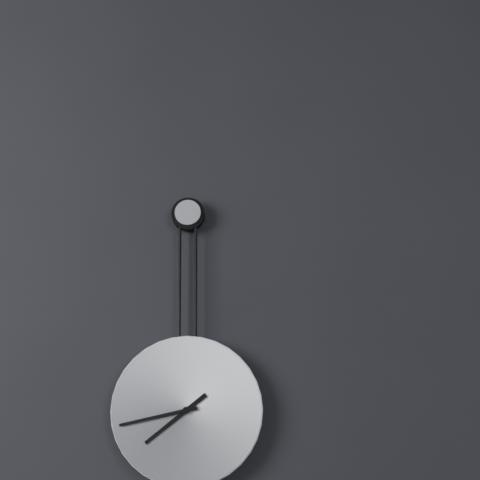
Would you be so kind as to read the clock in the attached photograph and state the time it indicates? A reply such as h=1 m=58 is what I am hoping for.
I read h=7 m=43
